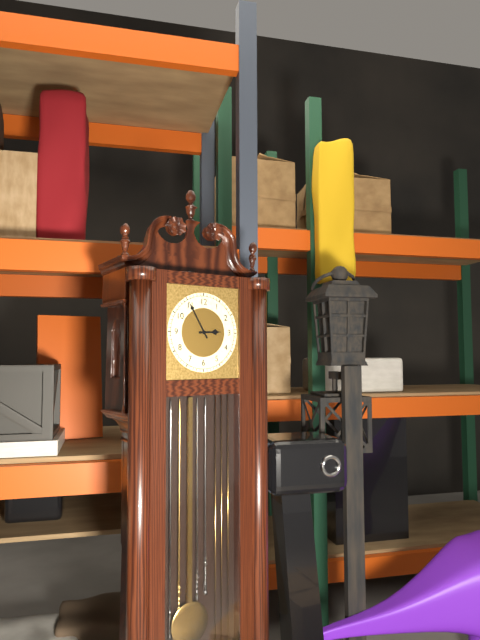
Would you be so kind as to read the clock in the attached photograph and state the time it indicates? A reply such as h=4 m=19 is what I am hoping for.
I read h=2 m=55
